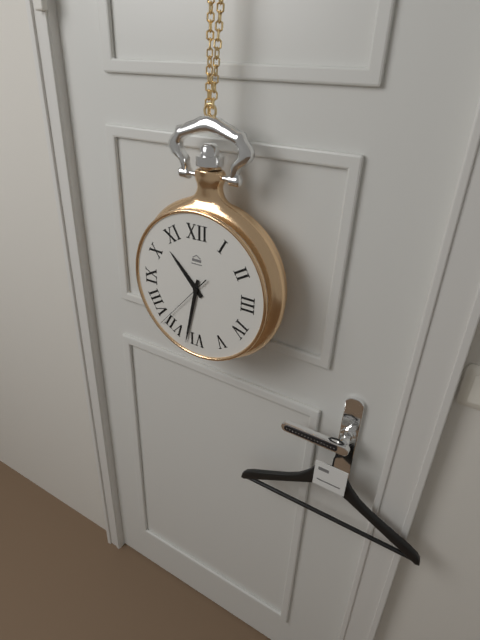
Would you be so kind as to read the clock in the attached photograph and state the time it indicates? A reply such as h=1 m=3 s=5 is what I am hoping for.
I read h=10 m=32 s=37
